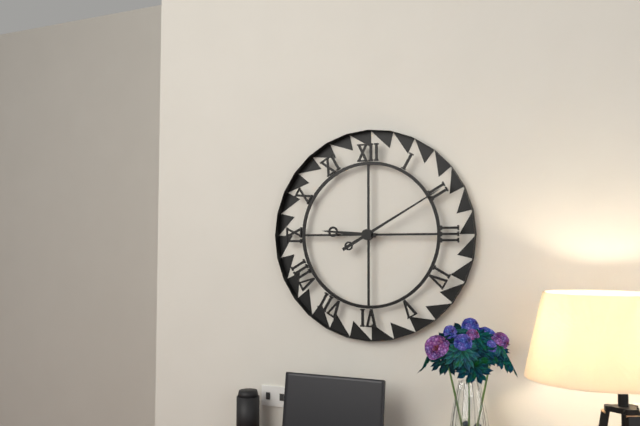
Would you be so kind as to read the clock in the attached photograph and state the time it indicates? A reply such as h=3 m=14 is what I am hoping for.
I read h=9 m=10
